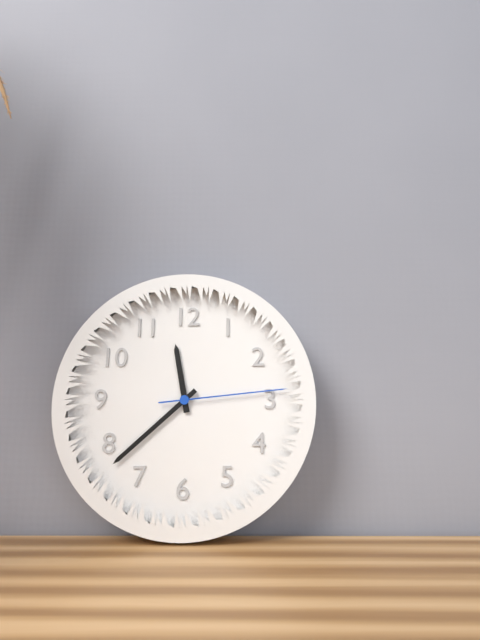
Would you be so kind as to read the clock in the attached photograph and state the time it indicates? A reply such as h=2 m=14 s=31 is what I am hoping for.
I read h=11 m=38 s=14
